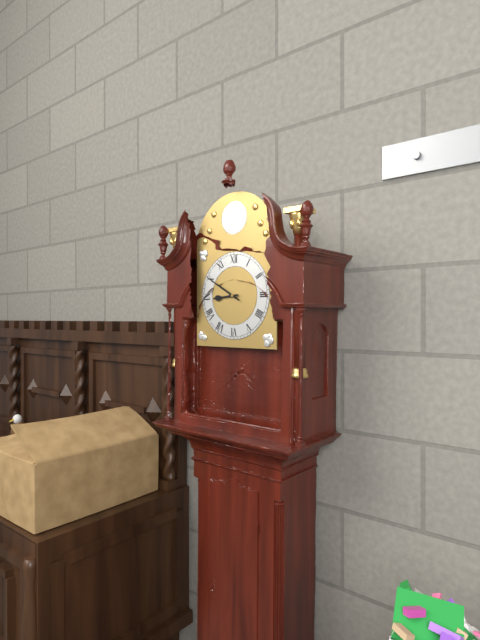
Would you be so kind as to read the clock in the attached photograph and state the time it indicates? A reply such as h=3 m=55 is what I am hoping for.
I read h=8 m=50
